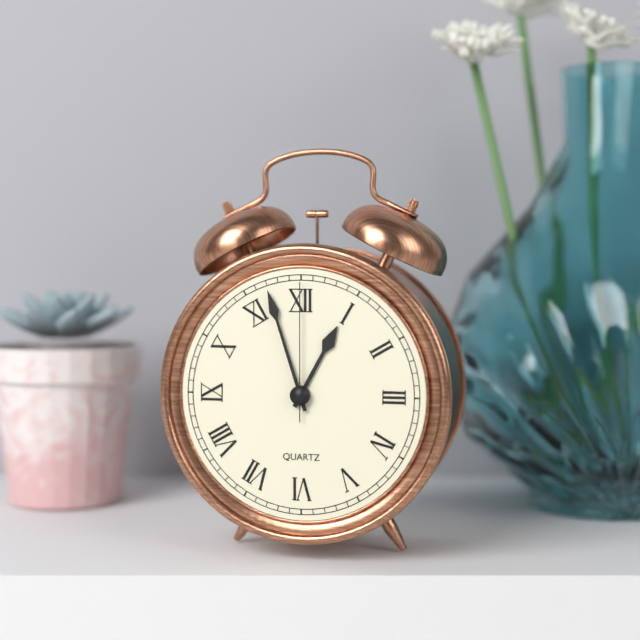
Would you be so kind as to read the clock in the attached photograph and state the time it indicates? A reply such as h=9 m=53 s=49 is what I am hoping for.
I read h=12 m=57 s=0
